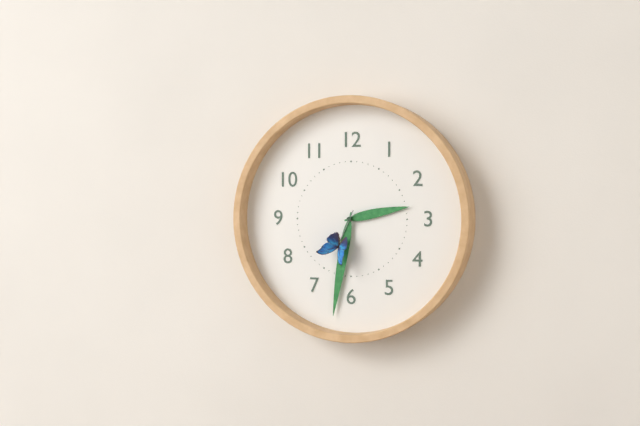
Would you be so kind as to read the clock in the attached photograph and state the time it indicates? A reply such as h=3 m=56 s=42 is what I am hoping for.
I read h=2 m=32 s=34
